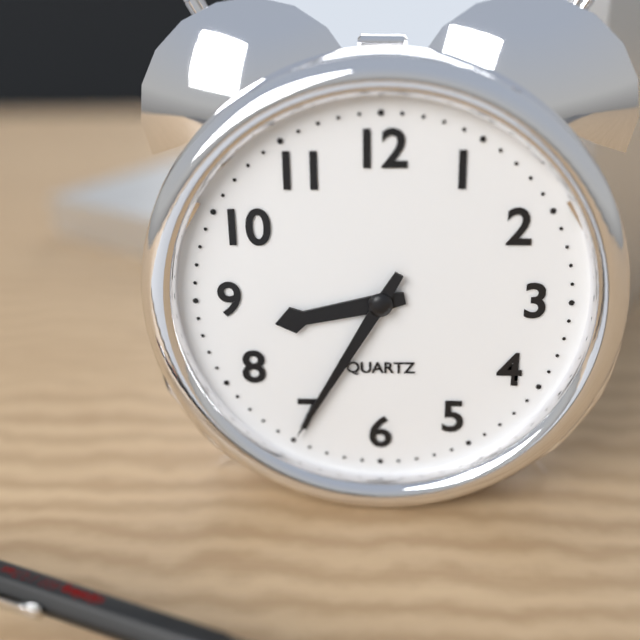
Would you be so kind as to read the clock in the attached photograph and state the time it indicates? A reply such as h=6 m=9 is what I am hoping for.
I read h=8 m=35
